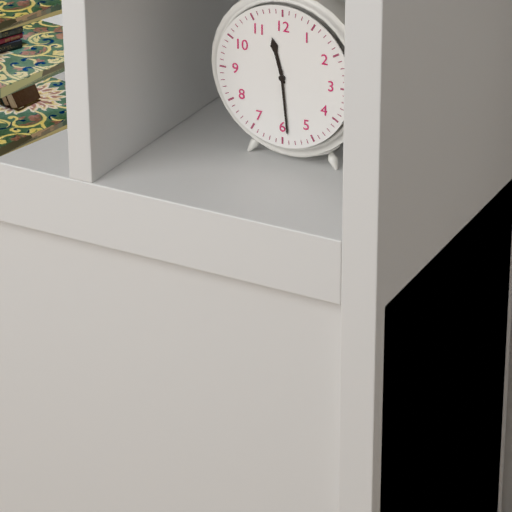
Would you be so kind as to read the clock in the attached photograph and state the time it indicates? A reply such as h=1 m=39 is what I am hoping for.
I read h=11 m=29
